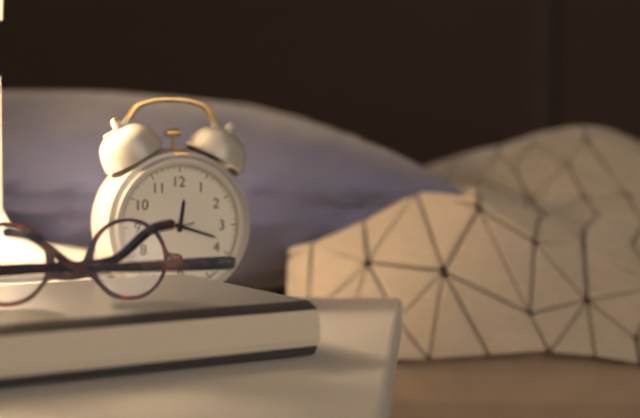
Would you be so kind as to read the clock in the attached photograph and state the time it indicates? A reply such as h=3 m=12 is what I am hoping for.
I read h=12 m=18
